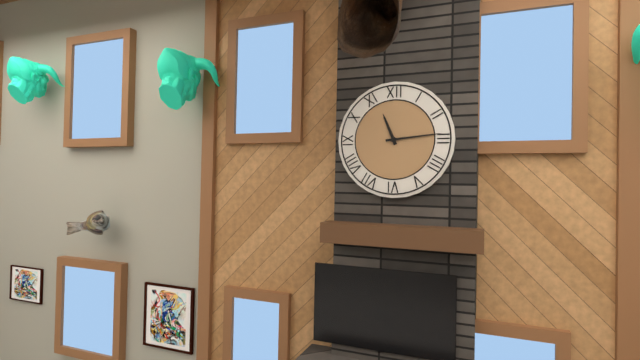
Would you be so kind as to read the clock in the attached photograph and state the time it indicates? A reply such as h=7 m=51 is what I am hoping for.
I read h=11 m=14
